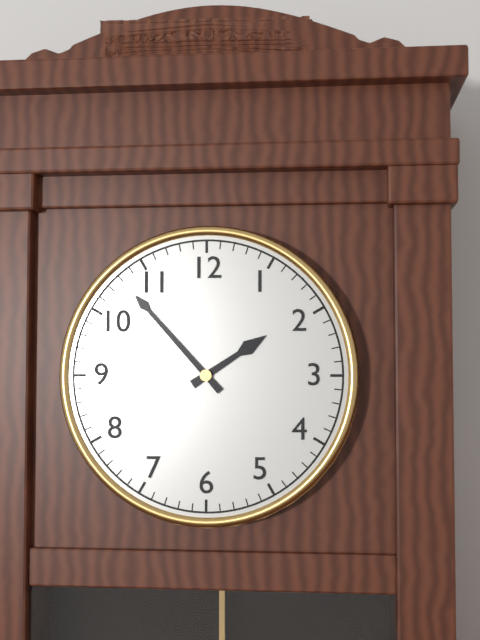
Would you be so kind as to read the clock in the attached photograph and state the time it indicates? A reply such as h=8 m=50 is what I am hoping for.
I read h=1 m=53
